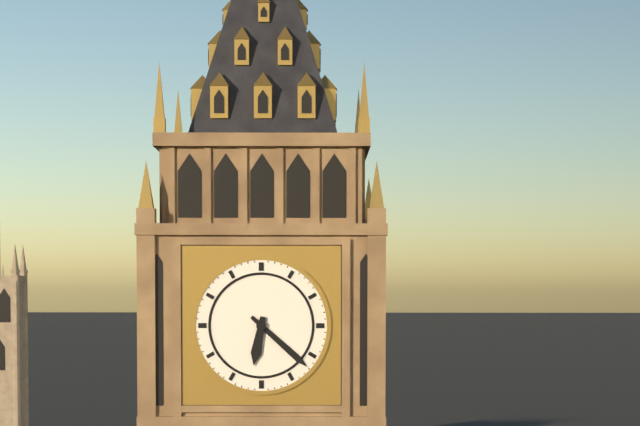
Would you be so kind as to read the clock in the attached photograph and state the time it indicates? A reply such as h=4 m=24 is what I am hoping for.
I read h=6 m=22
